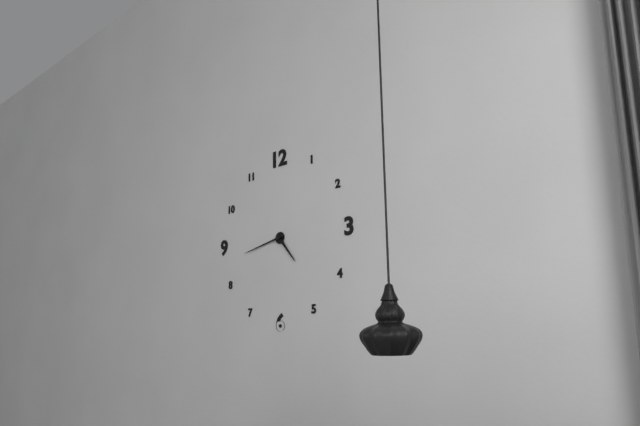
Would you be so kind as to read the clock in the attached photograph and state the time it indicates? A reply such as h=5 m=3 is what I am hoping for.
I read h=4 m=43
